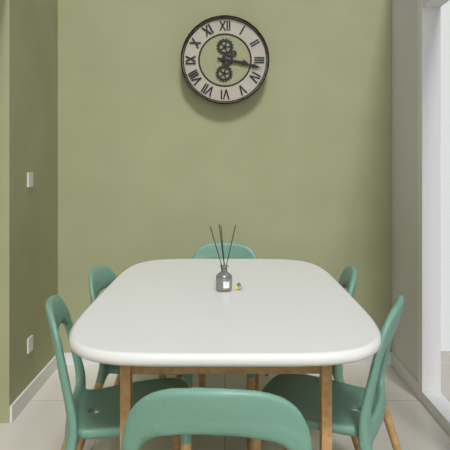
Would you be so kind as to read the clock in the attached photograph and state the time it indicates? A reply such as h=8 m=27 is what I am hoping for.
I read h=3 m=17
